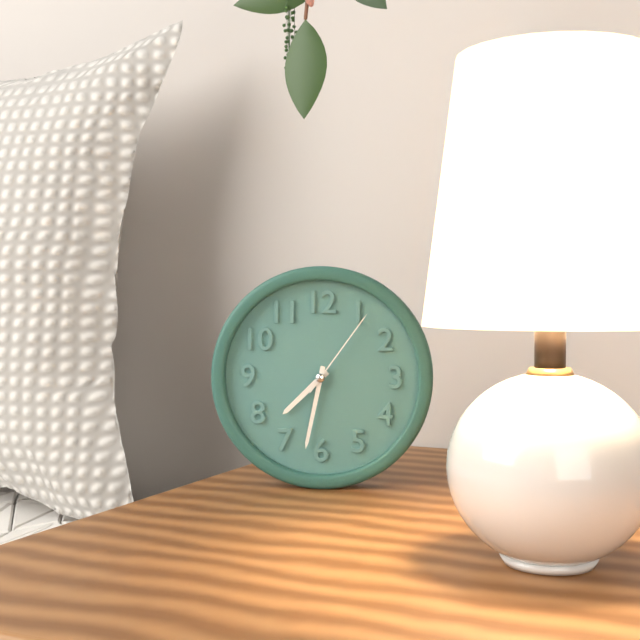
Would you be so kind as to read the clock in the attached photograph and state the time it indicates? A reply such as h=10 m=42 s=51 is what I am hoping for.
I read h=7 m=32 s=6
